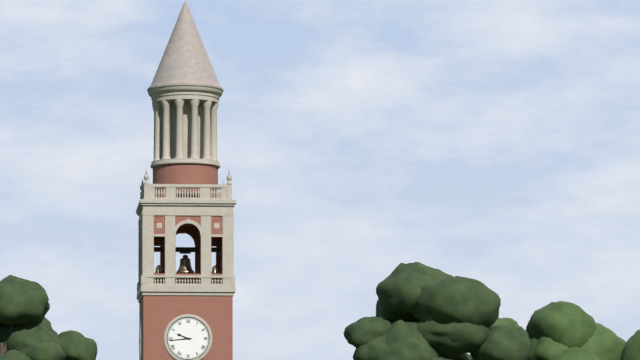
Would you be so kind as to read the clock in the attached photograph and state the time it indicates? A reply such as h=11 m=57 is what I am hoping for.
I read h=9 m=44
